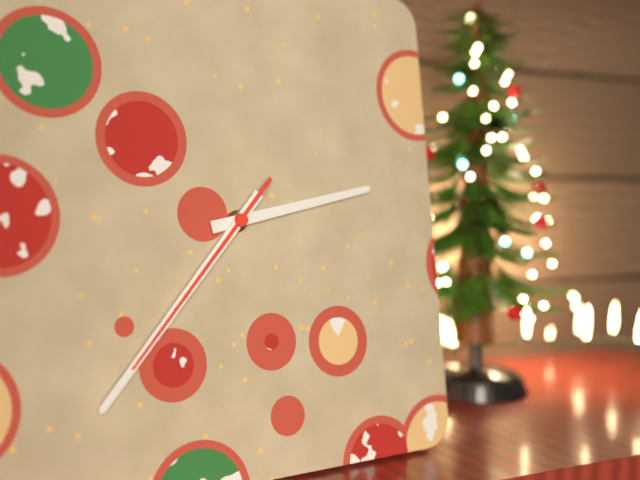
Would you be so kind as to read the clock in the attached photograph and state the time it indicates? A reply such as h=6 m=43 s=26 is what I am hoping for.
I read h=2 m=37 s=37
